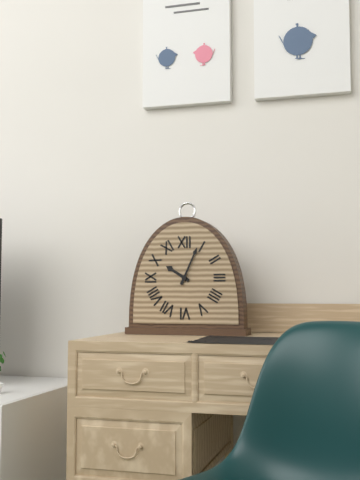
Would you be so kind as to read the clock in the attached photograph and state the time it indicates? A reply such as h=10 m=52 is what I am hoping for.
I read h=10 m=4
